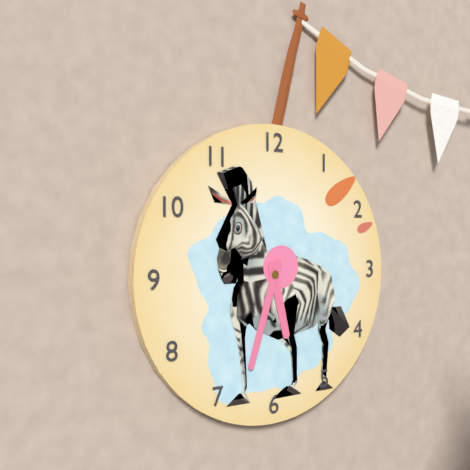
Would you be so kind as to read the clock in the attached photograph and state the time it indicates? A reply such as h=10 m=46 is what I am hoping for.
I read h=5 m=33
